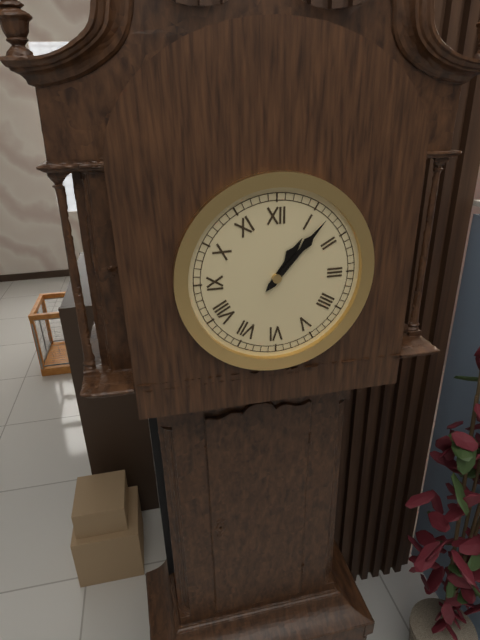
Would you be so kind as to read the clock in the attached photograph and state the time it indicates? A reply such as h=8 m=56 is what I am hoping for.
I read h=1 m=7
